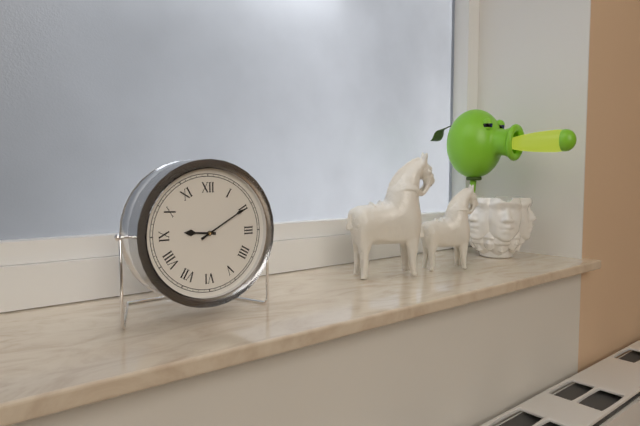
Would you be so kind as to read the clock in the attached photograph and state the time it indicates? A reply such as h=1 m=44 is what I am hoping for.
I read h=9 m=10
